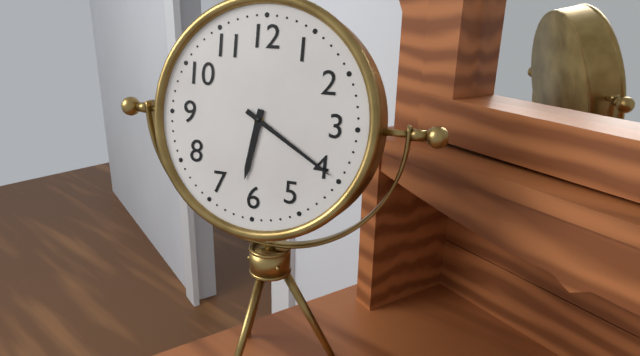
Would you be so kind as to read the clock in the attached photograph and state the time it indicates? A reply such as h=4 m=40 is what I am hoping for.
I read h=6 m=20
